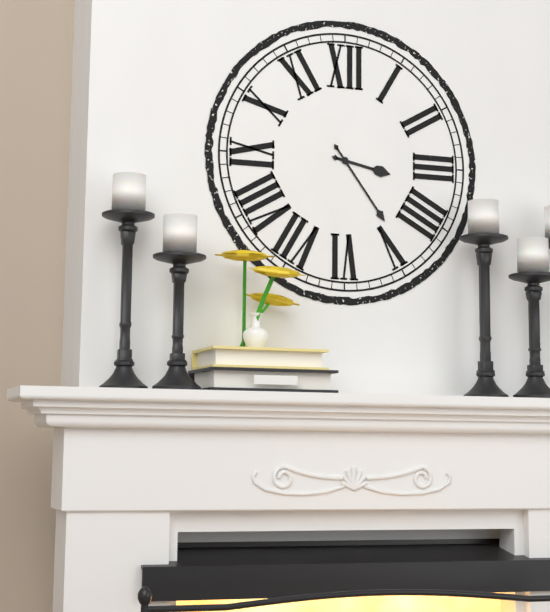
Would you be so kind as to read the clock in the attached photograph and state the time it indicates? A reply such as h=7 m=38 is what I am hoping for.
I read h=3 m=24
